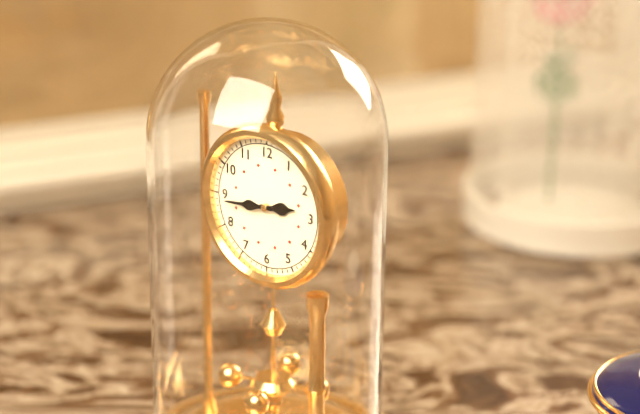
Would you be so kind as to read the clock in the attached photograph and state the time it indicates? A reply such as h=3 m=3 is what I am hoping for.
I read h=2 m=44
